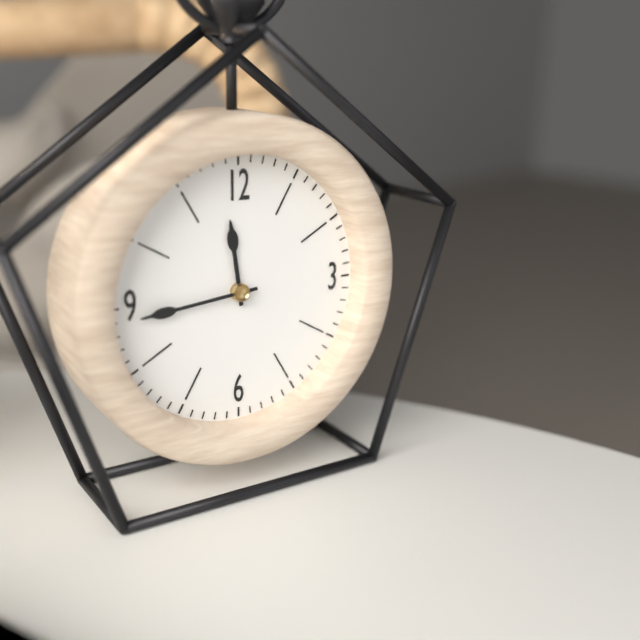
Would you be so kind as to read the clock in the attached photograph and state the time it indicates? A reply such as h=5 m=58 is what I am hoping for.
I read h=11 m=44
